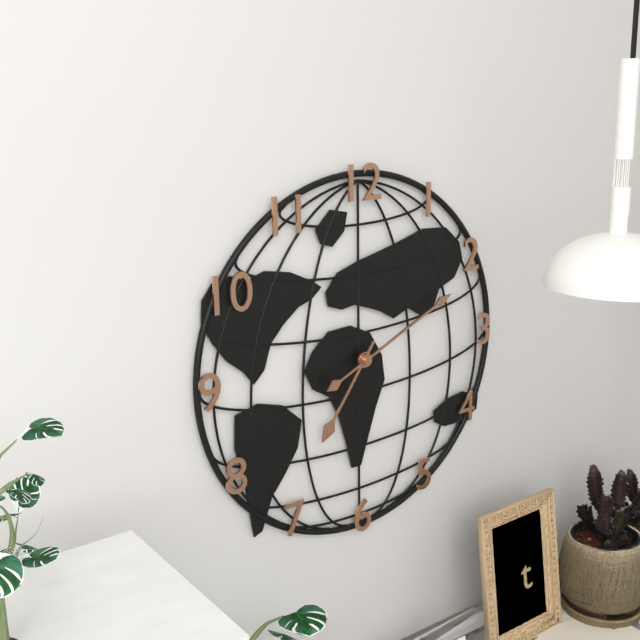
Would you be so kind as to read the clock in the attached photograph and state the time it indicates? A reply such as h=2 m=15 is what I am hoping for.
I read h=7 m=11
